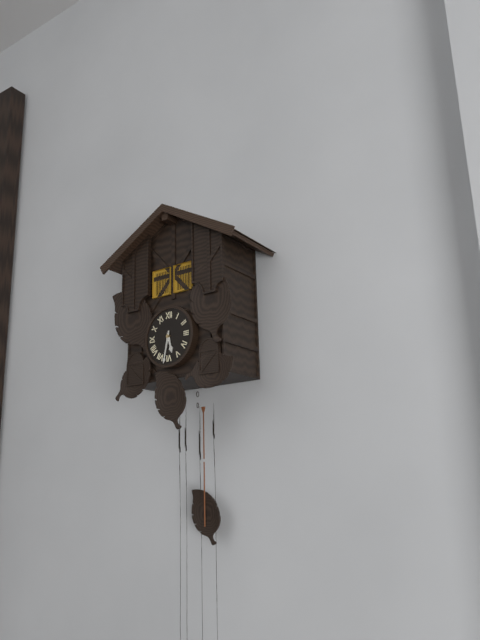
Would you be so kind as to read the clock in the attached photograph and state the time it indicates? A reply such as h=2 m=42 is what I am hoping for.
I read h=5 m=32
